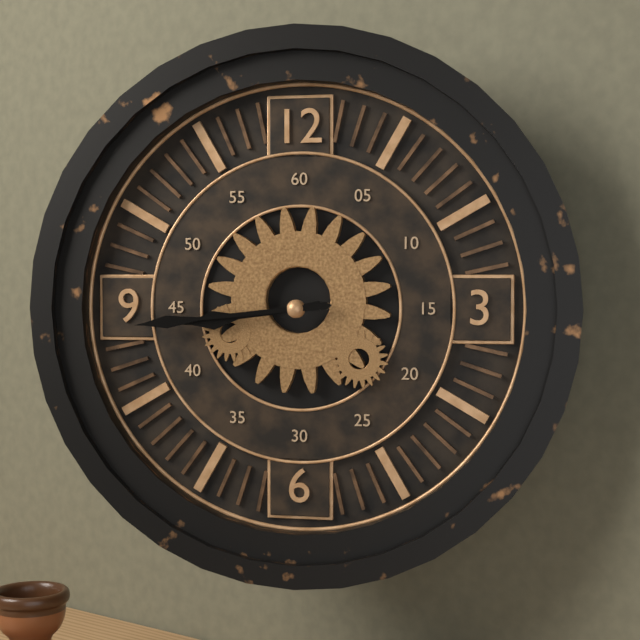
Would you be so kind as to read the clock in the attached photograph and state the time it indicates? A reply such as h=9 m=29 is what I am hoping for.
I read h=8 m=44
